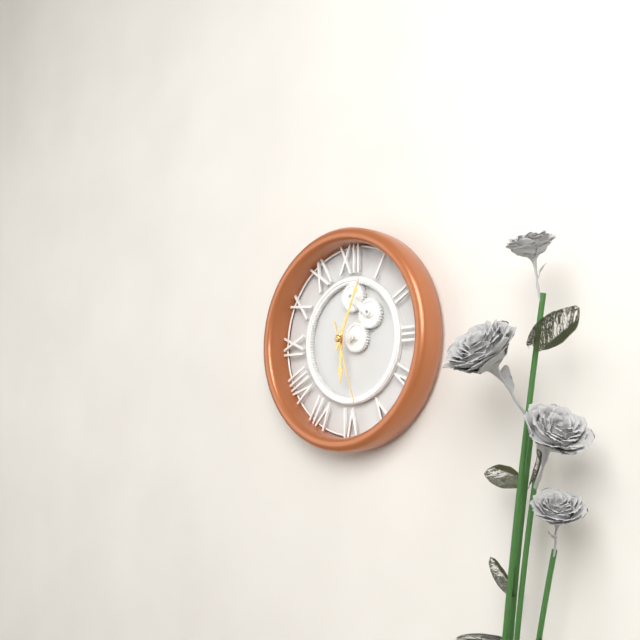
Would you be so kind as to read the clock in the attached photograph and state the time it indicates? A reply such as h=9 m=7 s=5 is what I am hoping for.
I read h=6 m=4 s=27
